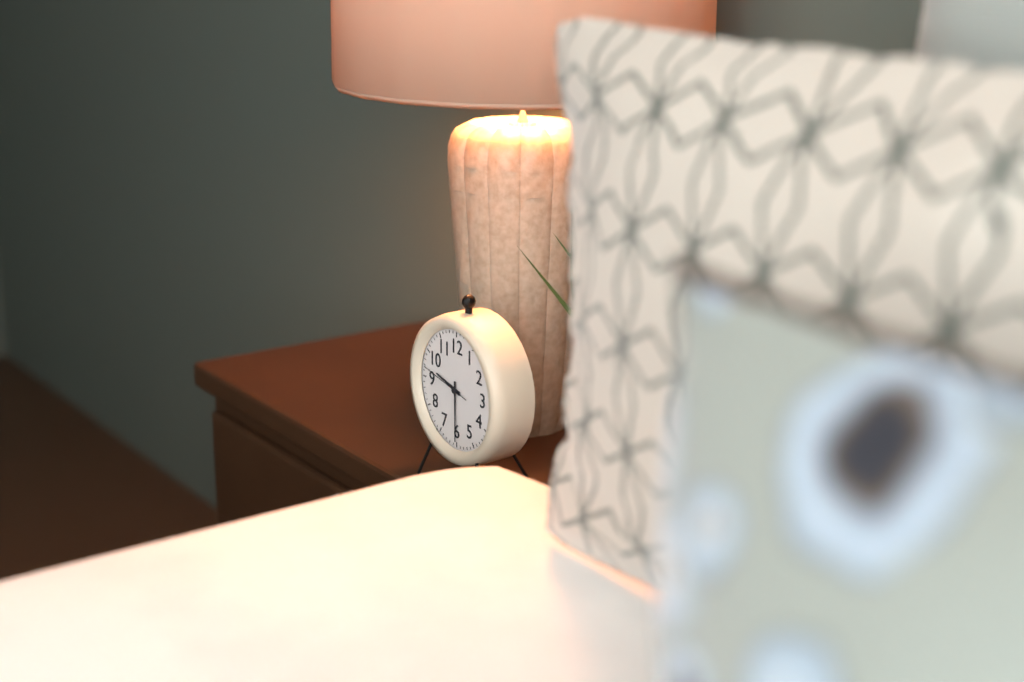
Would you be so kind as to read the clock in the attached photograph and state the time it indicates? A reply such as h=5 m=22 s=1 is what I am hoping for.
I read h=9 m=30 s=47
